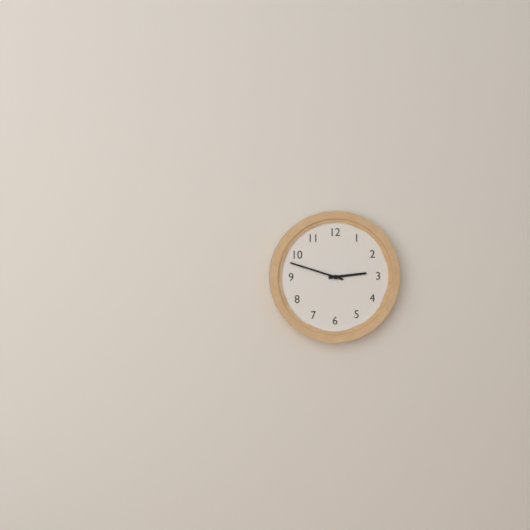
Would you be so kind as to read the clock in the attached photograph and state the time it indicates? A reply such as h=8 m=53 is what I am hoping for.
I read h=2 m=48
